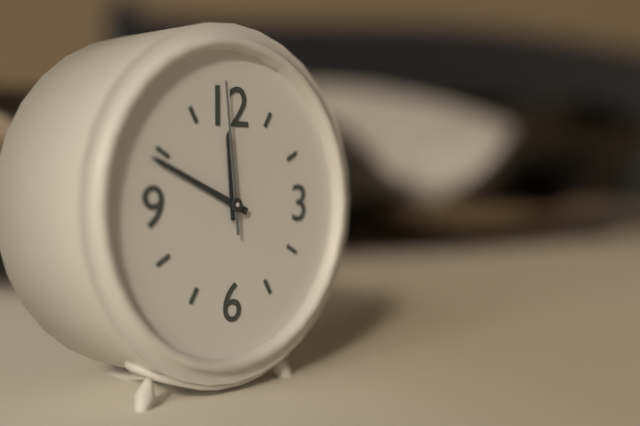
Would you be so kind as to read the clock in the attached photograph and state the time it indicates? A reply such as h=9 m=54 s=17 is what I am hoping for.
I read h=11 m=49 s=59
